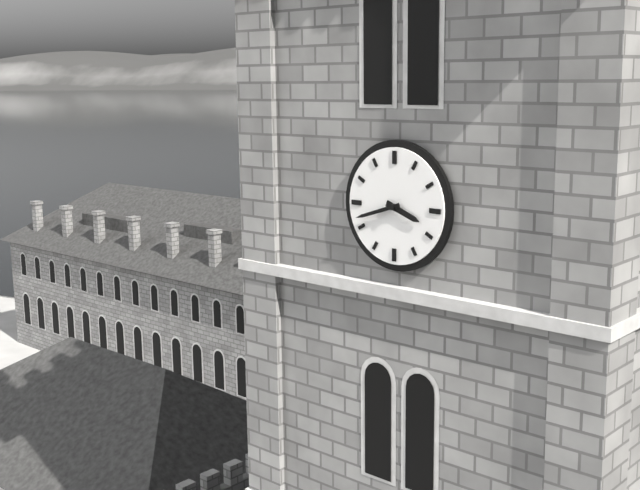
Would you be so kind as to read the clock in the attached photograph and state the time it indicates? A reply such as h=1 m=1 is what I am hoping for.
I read h=3 m=42
